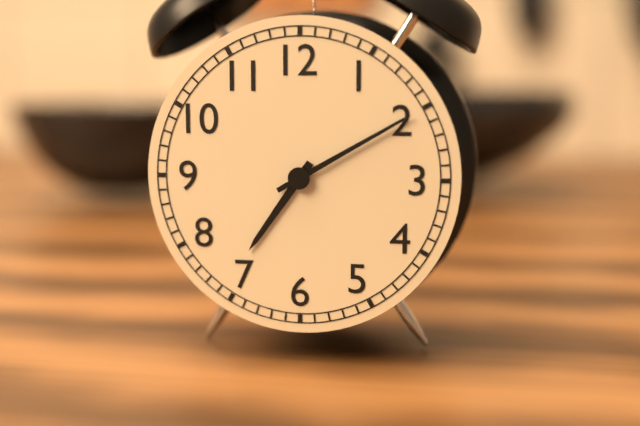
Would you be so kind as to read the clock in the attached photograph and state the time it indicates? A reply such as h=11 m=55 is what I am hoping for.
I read h=7 m=10
